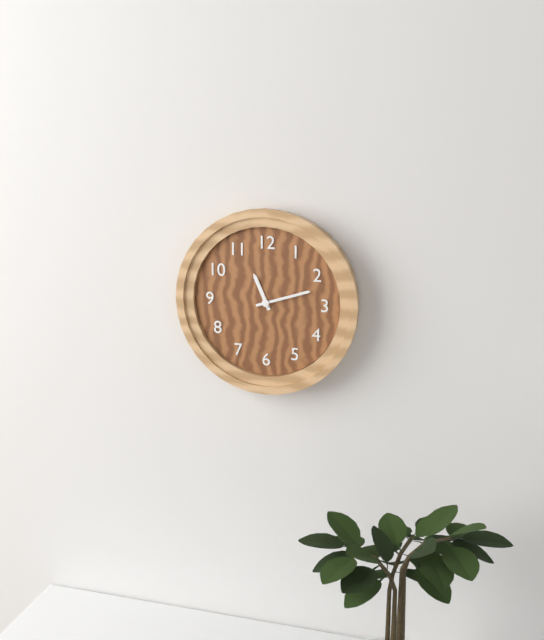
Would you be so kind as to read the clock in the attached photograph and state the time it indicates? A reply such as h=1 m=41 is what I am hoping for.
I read h=11 m=12
